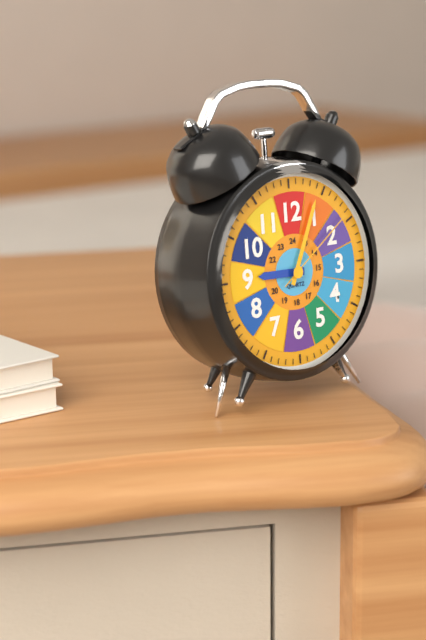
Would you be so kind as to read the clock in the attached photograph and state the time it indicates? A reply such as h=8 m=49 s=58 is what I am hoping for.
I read h=9 m=4 s=9
